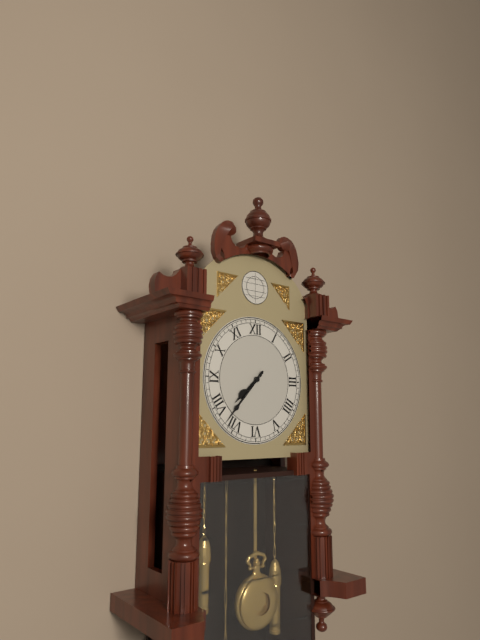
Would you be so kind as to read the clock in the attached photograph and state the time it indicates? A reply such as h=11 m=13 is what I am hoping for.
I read h=7 m=37
